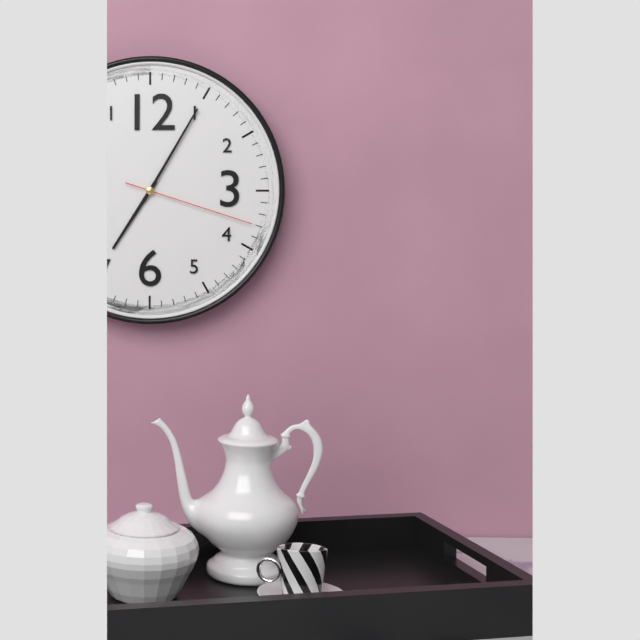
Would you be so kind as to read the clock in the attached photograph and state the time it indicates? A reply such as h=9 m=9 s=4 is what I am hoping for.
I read h=7 m=5 s=18
